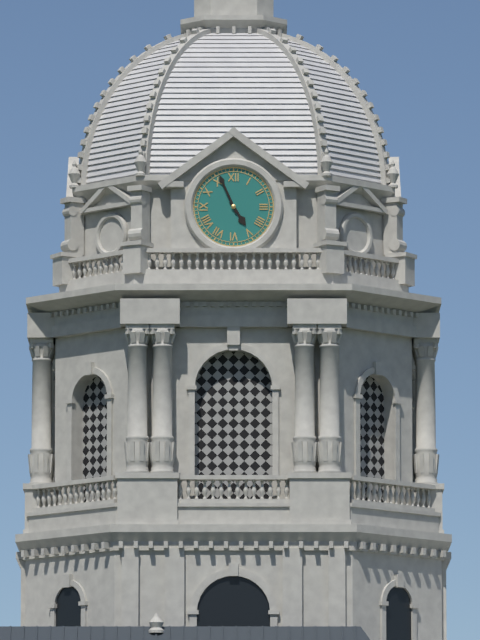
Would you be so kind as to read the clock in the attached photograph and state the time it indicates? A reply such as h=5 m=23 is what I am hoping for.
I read h=4 m=56
